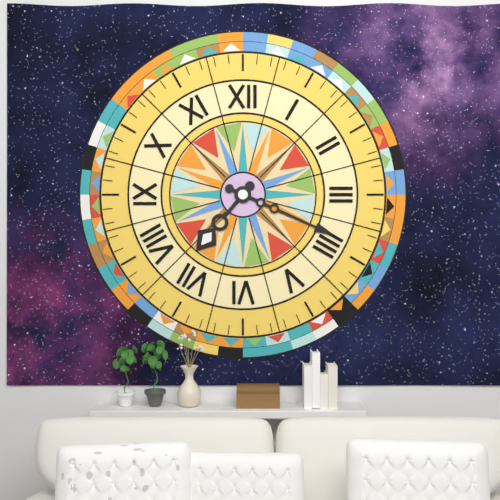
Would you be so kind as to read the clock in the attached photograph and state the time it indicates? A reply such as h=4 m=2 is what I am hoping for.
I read h=7 m=19
